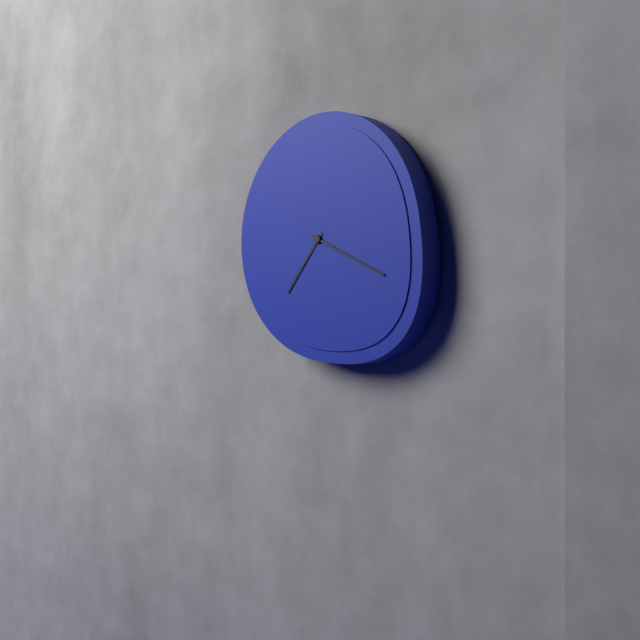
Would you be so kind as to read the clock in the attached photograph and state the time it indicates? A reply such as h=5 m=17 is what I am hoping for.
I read h=7 m=19
